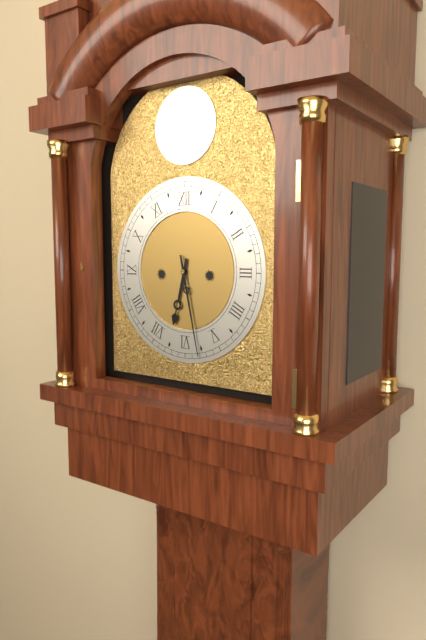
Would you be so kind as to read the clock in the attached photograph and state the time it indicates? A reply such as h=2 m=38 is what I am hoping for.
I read h=6 m=28
